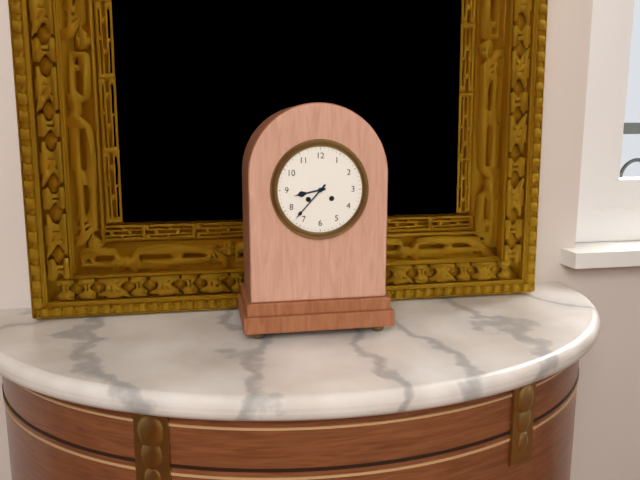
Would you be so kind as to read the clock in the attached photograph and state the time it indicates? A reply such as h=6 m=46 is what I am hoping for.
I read h=8 m=37
